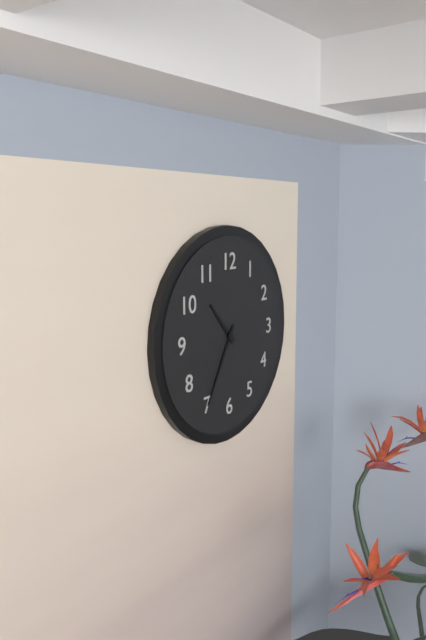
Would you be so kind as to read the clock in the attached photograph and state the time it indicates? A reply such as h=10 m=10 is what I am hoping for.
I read h=10 m=35
